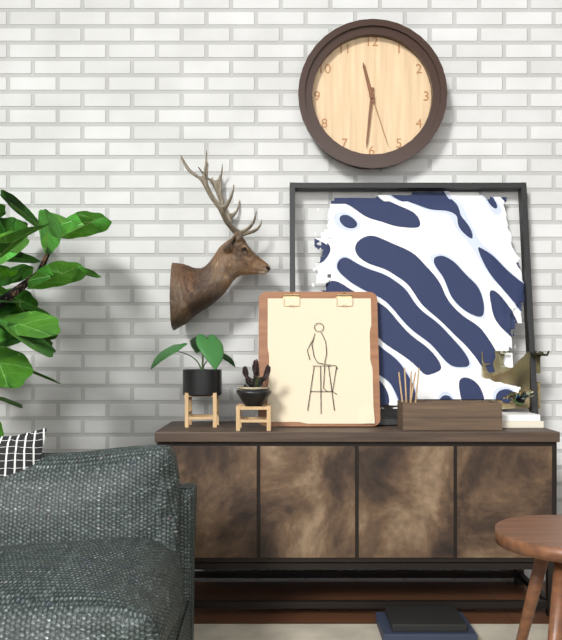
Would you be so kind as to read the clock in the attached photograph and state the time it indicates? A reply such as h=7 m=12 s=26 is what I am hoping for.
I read h=11 m=31 s=27
